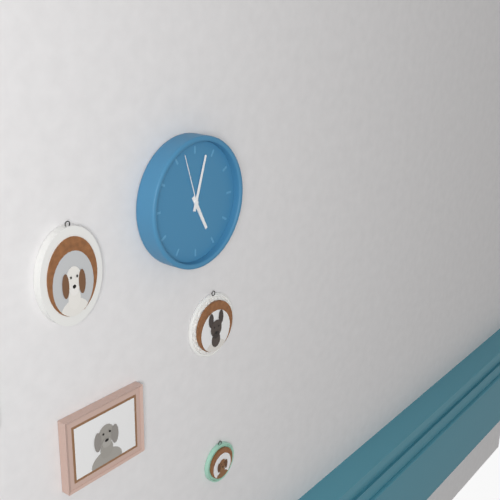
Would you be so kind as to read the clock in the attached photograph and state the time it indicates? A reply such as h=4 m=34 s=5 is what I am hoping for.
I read h=5 m=3 s=57
